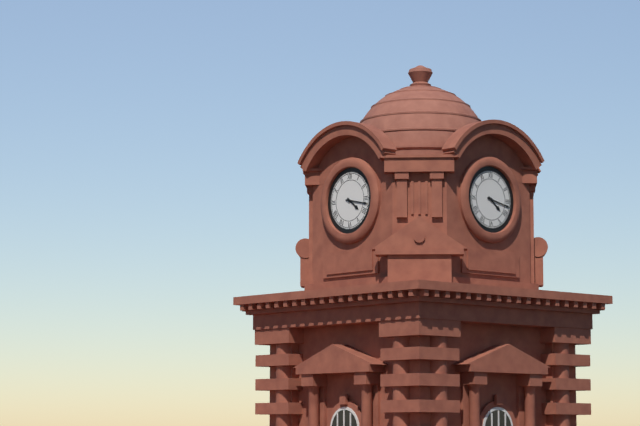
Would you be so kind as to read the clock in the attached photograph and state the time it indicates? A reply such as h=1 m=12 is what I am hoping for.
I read h=4 m=17
